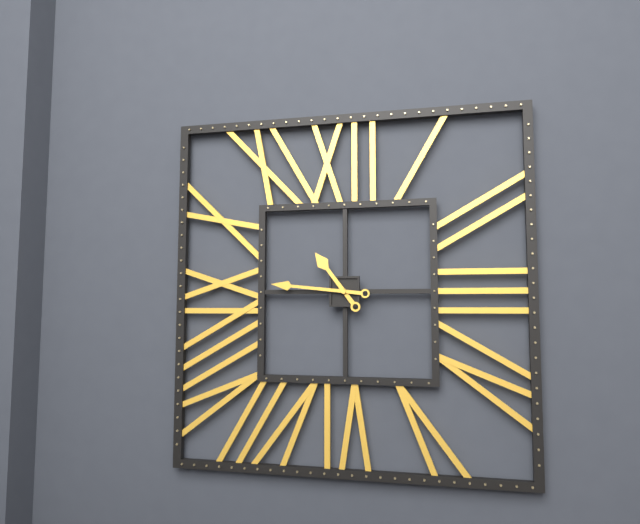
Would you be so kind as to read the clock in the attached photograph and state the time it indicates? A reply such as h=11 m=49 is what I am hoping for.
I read h=10 m=46
